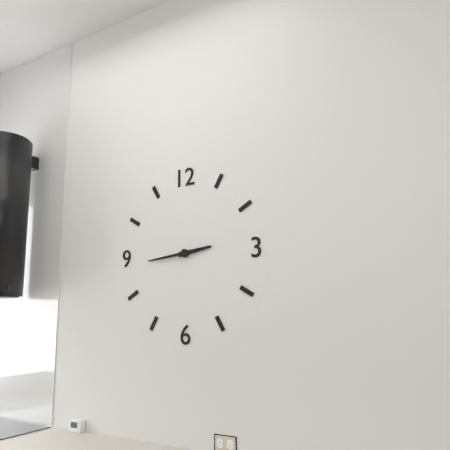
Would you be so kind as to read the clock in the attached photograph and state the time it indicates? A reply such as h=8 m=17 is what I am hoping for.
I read h=2 m=44
